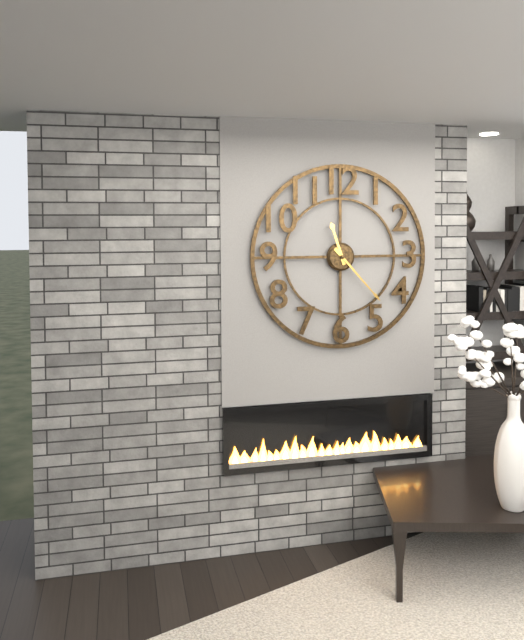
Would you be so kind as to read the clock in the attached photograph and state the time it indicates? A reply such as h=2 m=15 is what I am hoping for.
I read h=11 m=23
